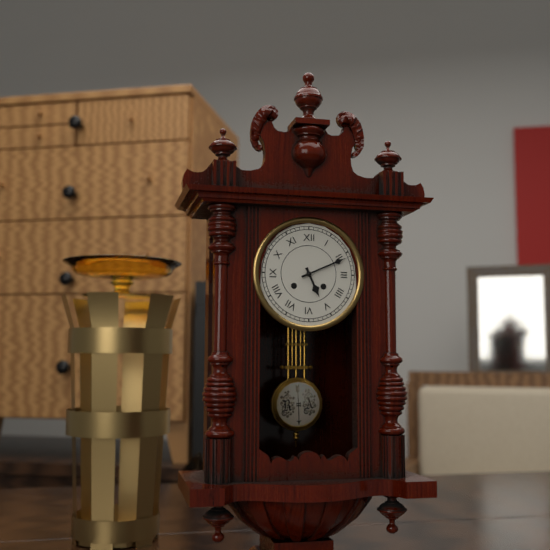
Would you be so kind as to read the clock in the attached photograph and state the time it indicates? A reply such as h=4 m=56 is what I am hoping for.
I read h=5 m=11
